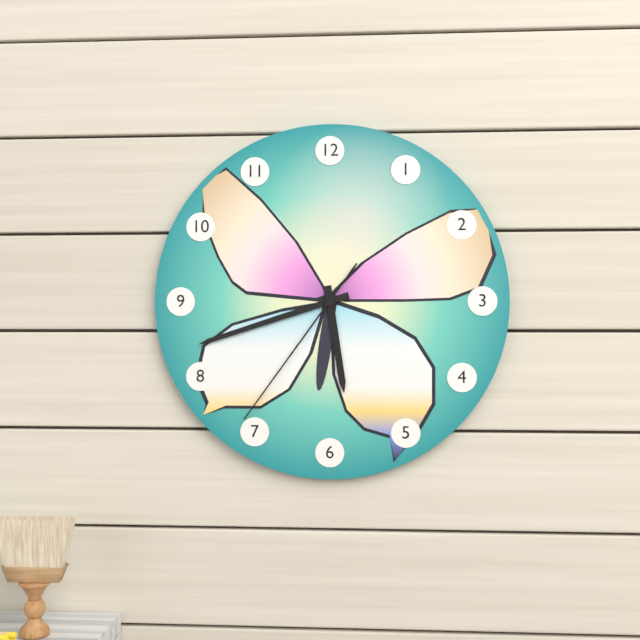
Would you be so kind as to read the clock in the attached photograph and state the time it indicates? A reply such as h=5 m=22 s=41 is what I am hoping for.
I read h=5 m=42 s=36
